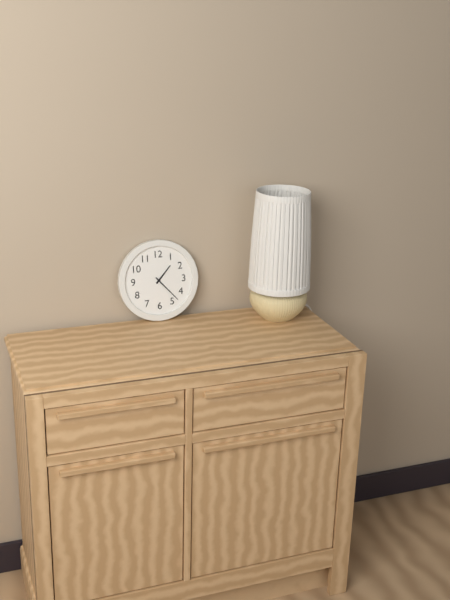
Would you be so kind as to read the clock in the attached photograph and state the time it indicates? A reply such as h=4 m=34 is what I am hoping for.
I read h=1 m=23
